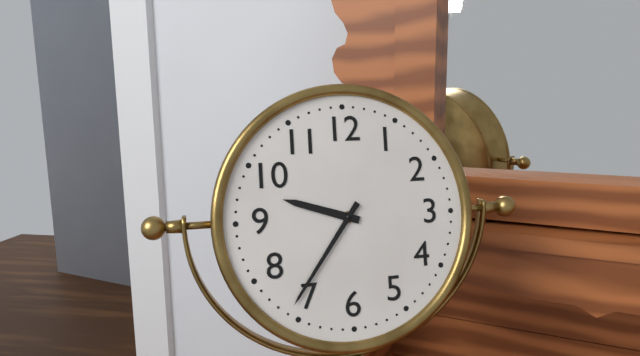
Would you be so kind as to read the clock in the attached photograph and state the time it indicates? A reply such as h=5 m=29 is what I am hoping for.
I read h=9 m=36
